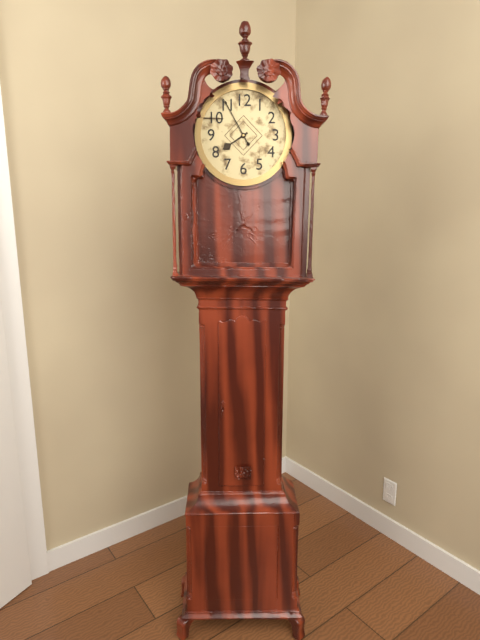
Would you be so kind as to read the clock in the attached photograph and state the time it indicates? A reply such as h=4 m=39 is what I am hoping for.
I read h=7 m=55
